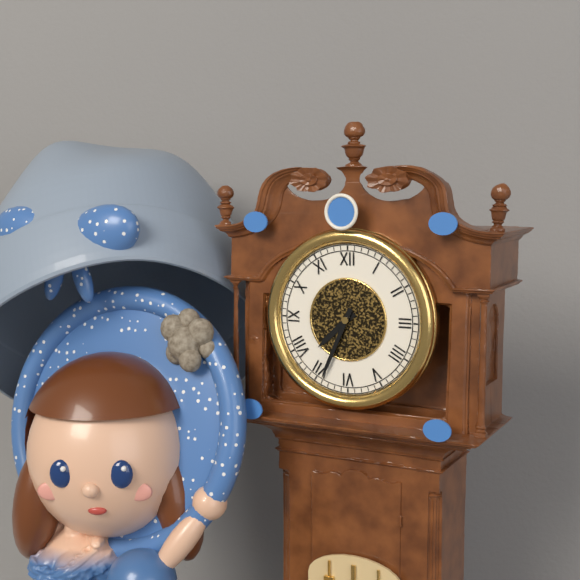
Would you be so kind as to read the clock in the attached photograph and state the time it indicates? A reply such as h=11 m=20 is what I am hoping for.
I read h=7 m=34
